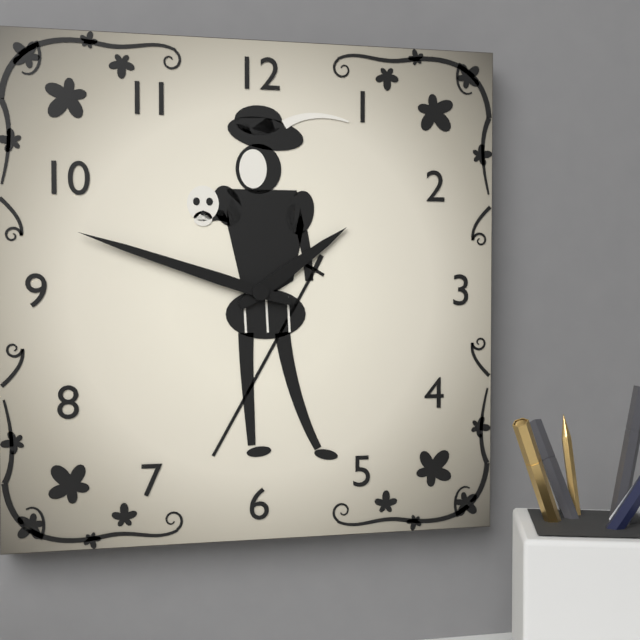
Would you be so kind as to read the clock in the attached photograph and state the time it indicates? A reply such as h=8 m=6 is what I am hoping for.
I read h=1 m=48
